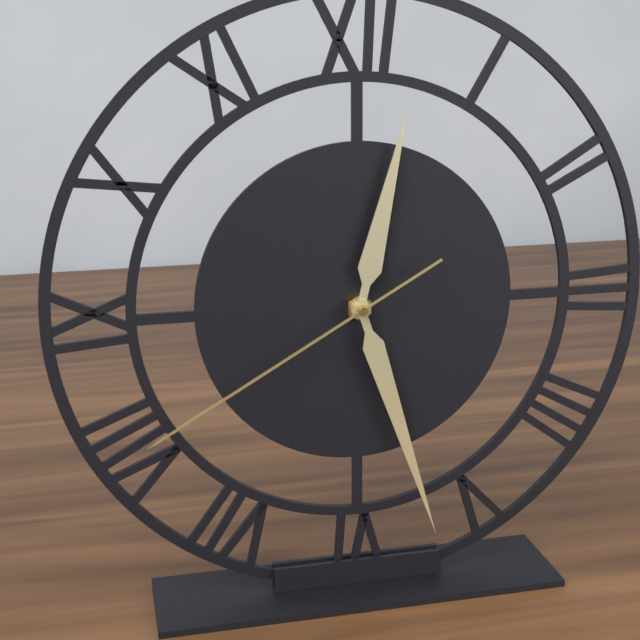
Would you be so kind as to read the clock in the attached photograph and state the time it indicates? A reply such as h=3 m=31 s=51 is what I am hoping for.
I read h=12 m=27 s=40
